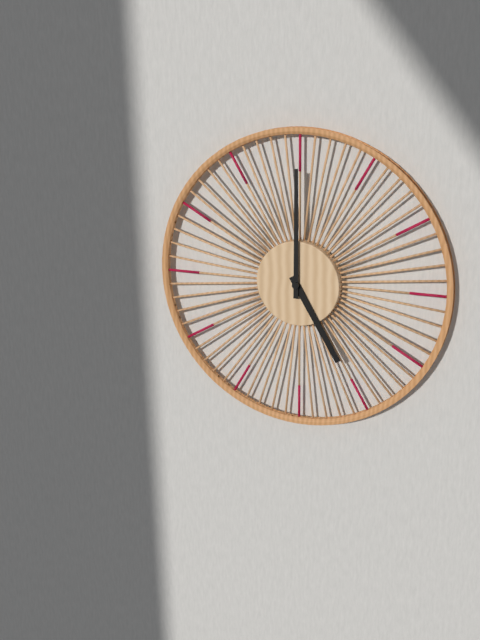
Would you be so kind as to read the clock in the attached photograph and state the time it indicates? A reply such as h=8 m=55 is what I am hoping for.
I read h=5 m=0
